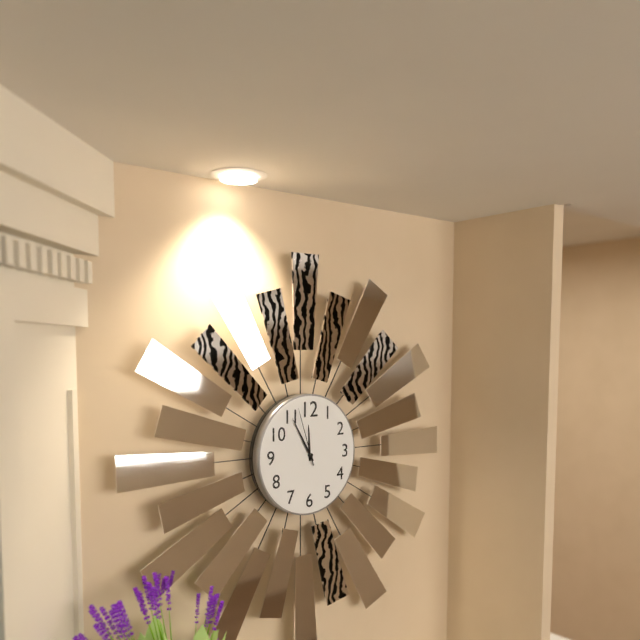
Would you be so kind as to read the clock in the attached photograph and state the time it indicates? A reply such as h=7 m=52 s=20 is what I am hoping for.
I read h=11 m=55 s=57
